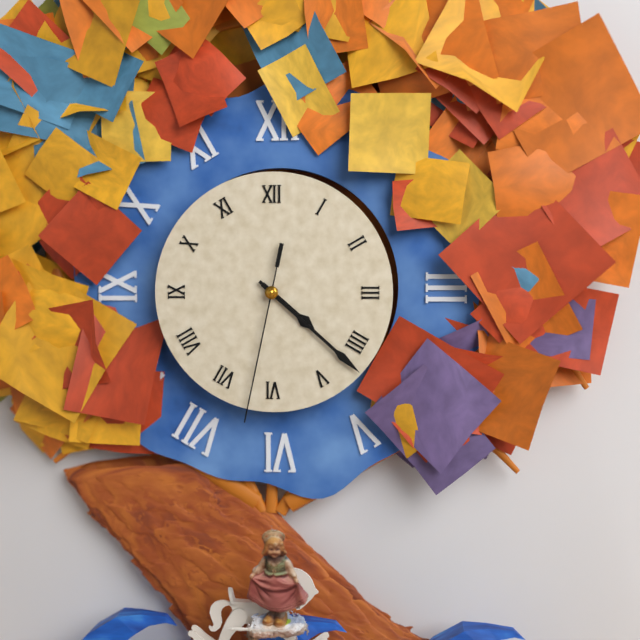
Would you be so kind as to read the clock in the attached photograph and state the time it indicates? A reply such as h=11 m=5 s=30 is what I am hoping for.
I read h=4 m=22 s=32
